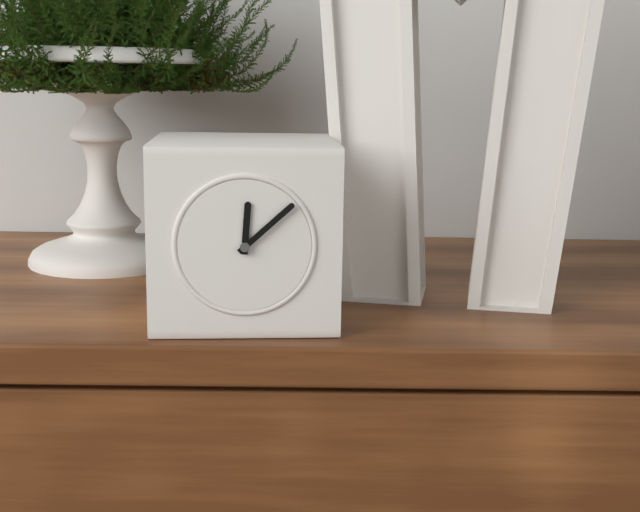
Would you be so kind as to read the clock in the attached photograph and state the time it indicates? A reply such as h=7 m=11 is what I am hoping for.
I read h=12 m=8
